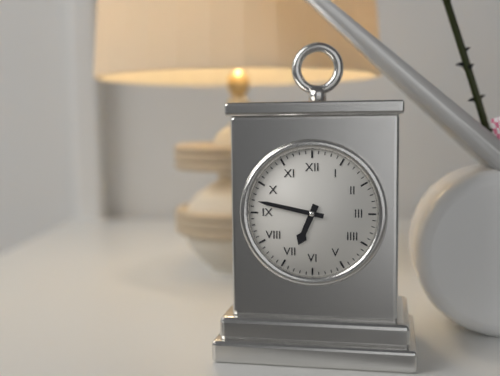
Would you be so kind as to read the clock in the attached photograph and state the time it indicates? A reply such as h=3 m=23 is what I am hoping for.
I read h=6 m=47
